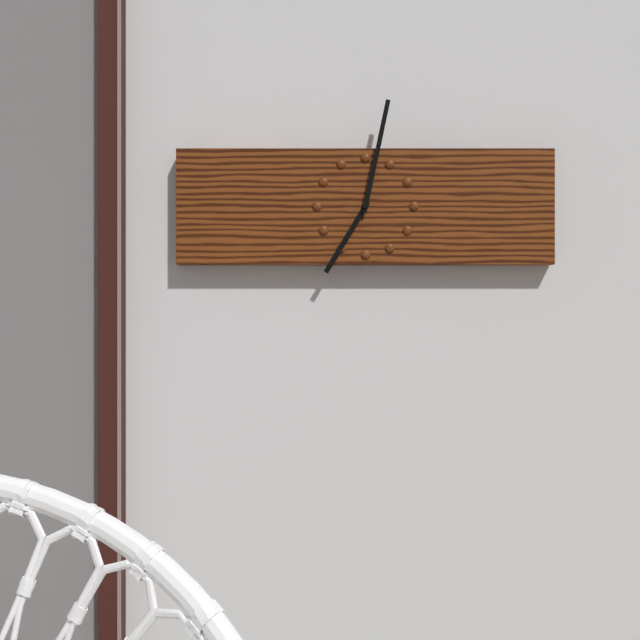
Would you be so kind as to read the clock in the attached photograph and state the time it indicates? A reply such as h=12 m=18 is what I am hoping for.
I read h=7 m=2
